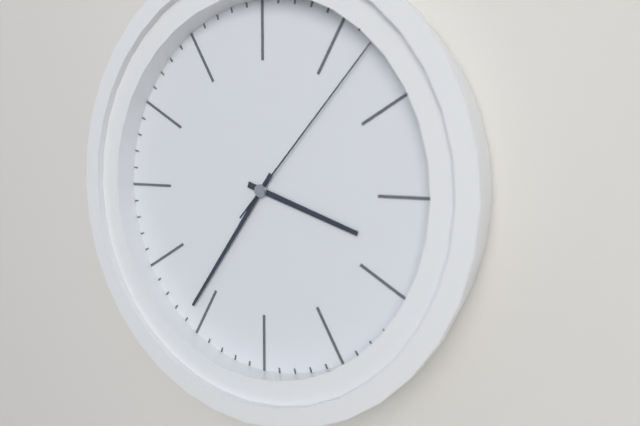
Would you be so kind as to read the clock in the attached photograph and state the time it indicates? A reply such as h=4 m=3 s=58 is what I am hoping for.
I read h=3 m=36 s=7
